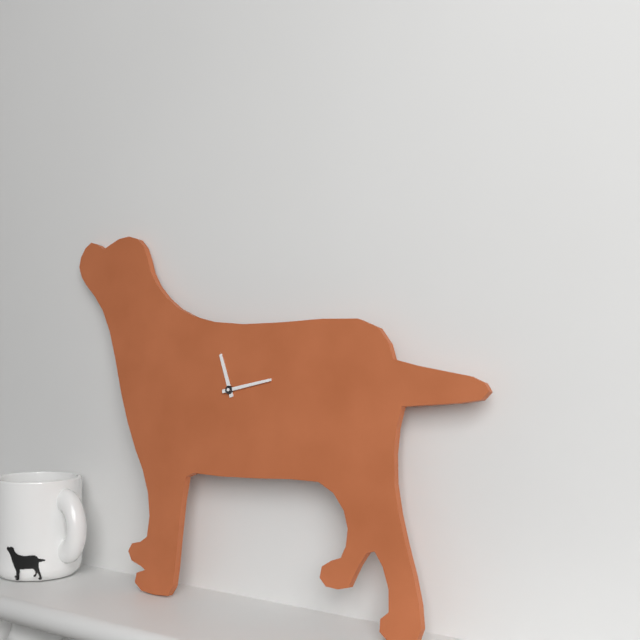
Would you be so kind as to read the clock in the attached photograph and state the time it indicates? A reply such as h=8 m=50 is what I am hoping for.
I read h=11 m=13
